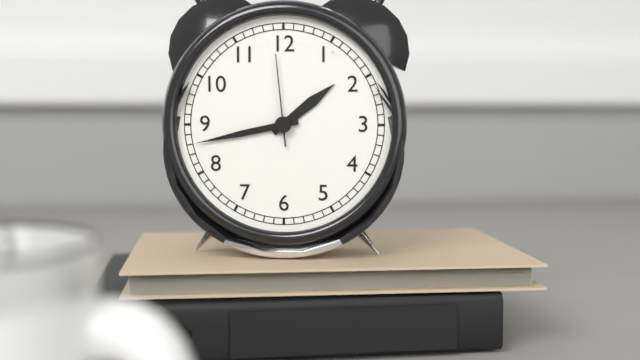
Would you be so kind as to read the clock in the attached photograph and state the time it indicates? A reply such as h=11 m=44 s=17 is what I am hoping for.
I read h=1 m=43 s=59
